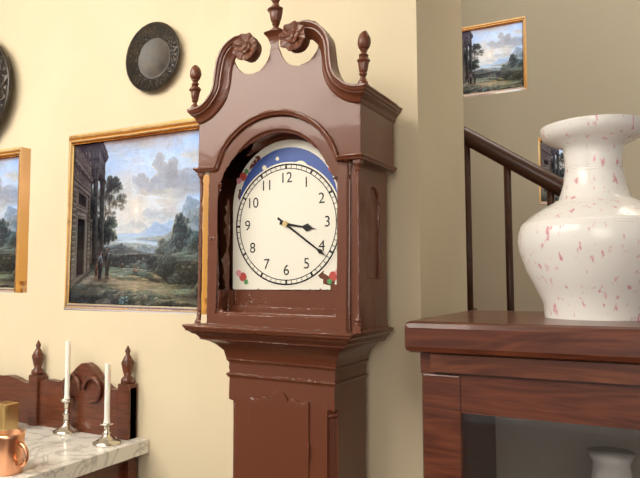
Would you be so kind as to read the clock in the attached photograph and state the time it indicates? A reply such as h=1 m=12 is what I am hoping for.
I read h=3 m=21
